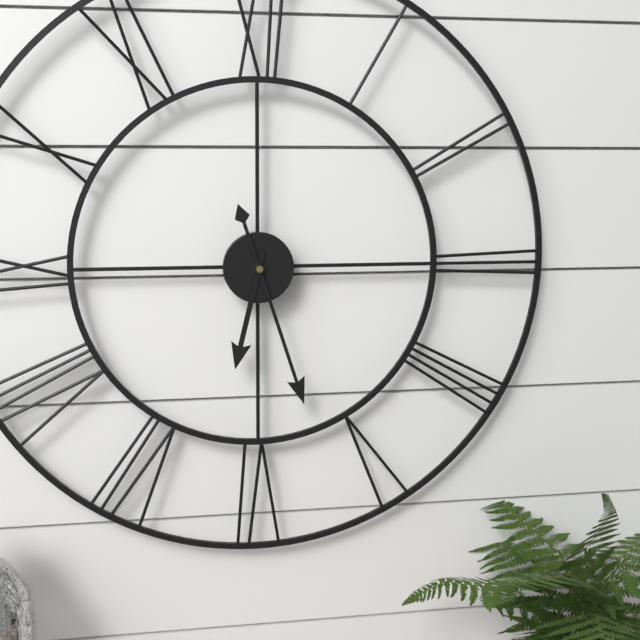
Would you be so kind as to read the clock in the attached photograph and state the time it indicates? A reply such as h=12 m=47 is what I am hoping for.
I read h=6 m=27
